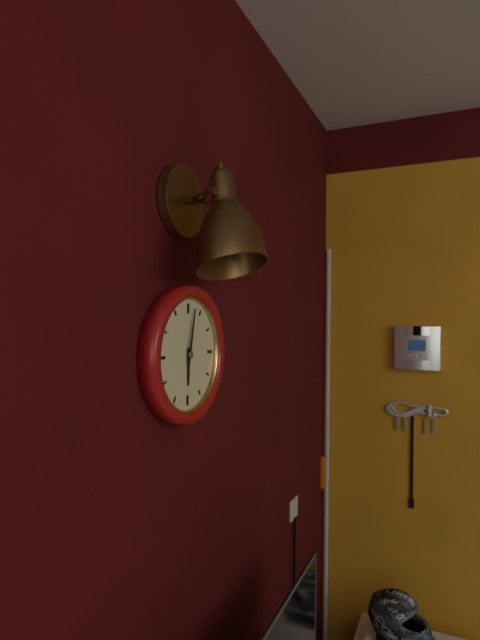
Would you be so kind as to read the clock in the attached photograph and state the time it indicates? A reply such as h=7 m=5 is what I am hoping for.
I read h=6 m=2
